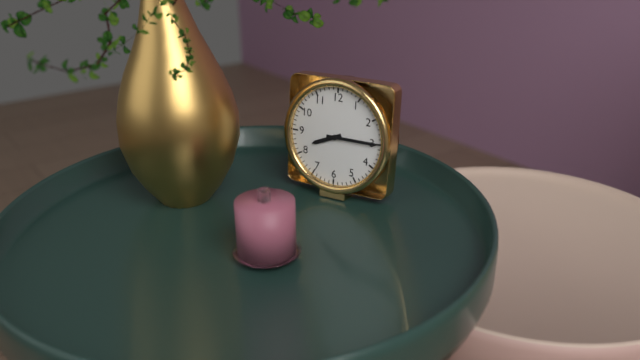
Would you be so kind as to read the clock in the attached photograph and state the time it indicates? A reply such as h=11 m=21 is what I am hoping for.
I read h=8 m=15
